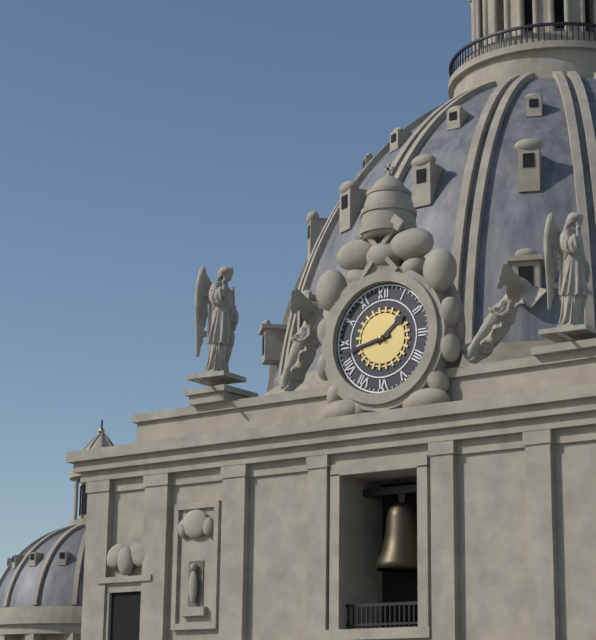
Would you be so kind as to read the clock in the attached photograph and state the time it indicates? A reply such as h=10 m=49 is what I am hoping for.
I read h=1 m=43
